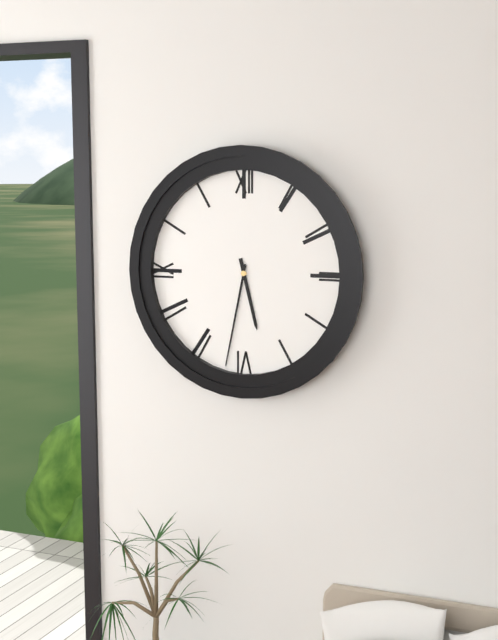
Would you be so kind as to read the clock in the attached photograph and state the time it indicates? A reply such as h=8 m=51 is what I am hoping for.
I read h=5 m=32
